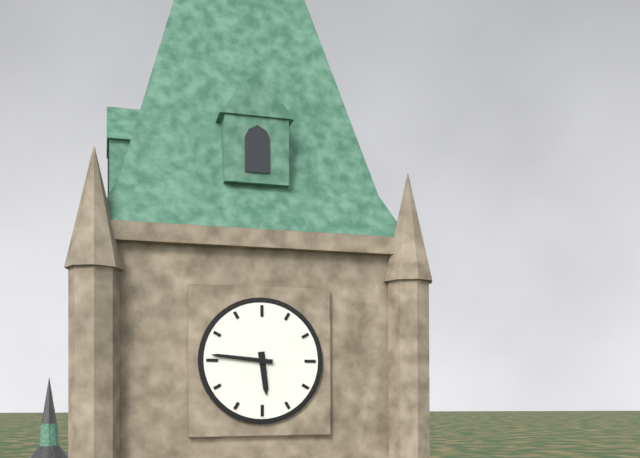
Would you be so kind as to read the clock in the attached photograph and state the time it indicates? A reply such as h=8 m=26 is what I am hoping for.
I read h=5 m=46
